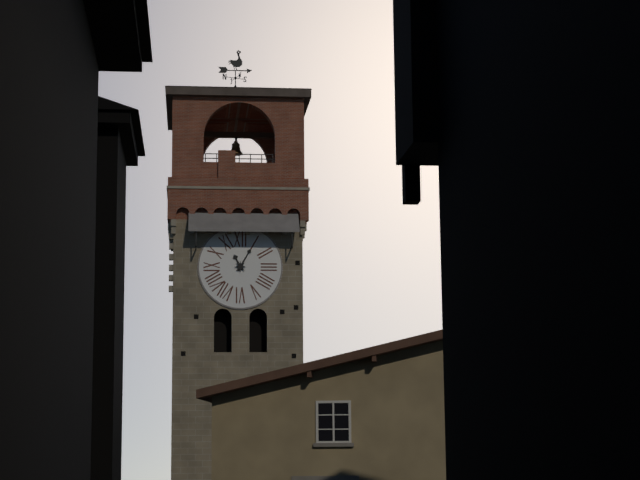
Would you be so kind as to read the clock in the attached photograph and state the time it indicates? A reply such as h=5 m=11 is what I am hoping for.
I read h=11 m=5
